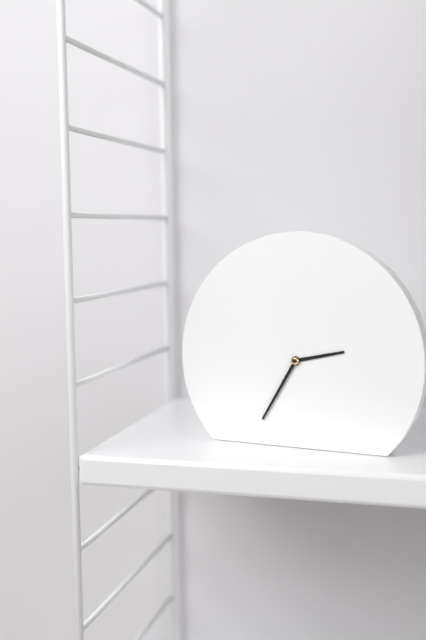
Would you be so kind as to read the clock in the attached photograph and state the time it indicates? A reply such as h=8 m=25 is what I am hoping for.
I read h=2 m=35
